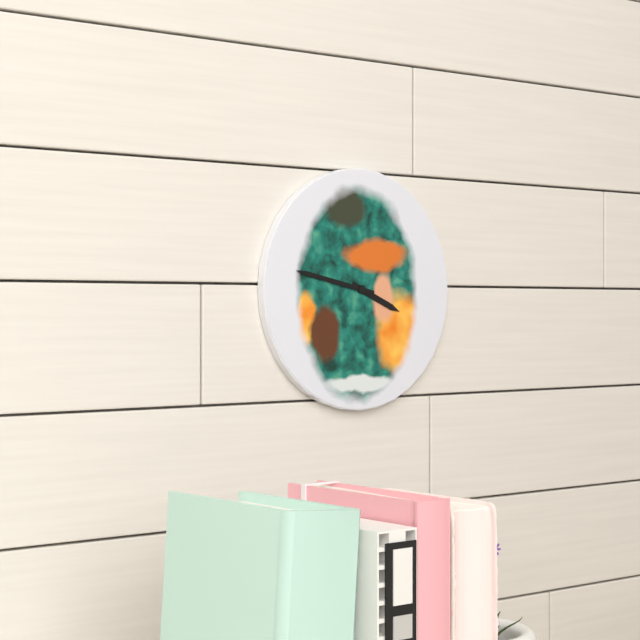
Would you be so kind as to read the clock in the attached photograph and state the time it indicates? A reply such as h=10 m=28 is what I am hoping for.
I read h=3 m=47
